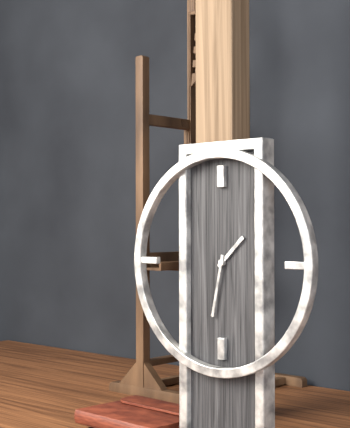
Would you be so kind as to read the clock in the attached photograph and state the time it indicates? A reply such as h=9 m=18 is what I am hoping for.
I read h=1 m=32
